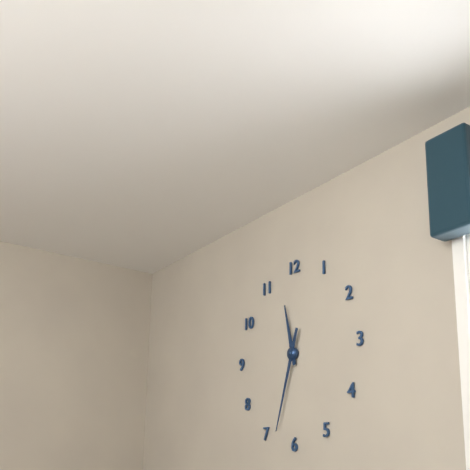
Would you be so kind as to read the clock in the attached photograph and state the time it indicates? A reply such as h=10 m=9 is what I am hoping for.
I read h=11 m=33
